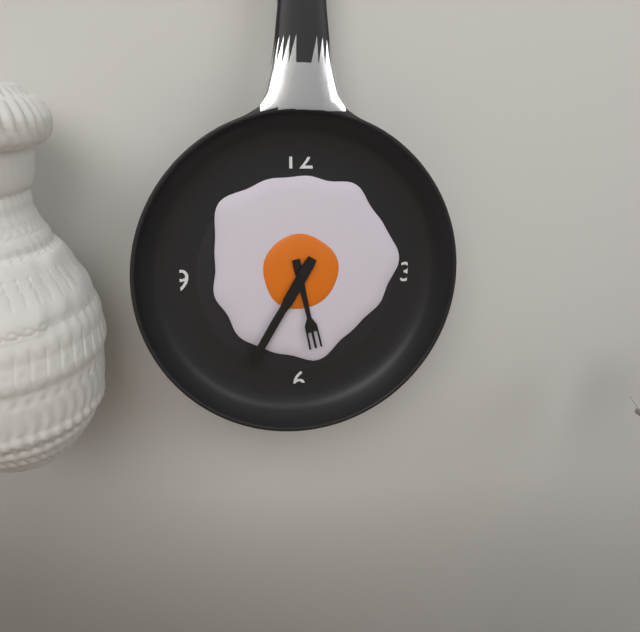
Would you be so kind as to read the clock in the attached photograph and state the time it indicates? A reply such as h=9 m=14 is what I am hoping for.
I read h=5 m=35
